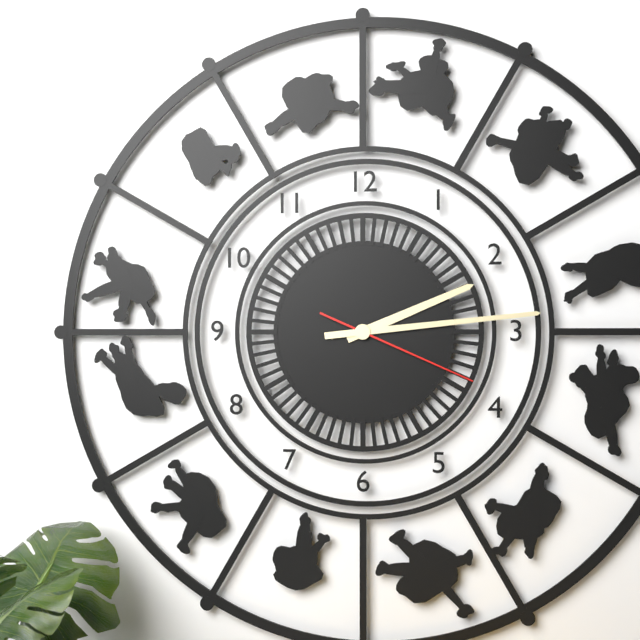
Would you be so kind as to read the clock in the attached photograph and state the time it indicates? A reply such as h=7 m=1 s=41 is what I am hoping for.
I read h=2 m=14 s=19
